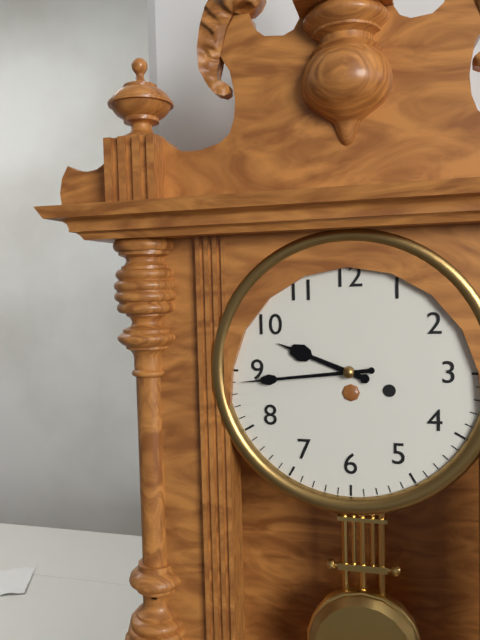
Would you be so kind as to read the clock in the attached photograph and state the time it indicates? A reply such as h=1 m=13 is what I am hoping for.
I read h=9 m=44
